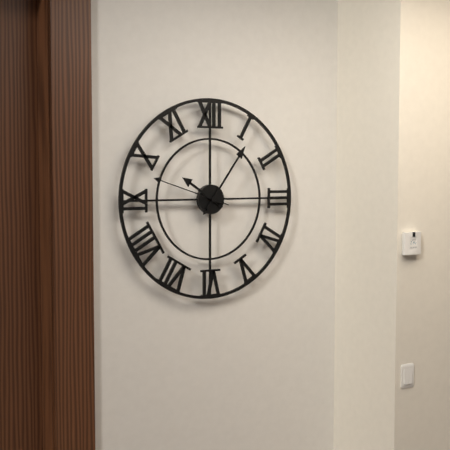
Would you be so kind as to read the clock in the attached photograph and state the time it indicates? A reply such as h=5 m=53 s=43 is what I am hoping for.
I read h=10 m=6 s=48
